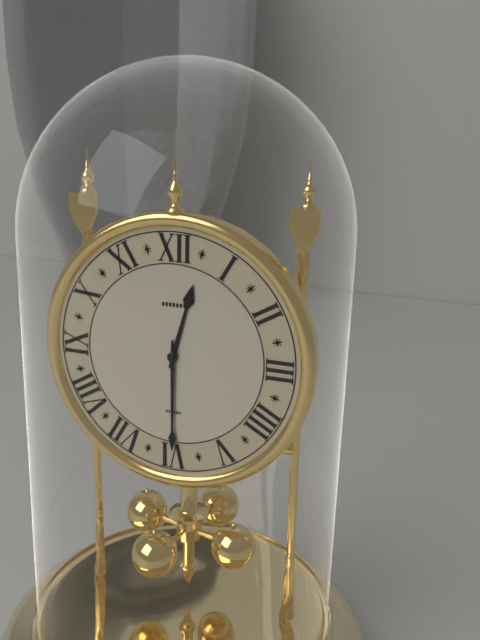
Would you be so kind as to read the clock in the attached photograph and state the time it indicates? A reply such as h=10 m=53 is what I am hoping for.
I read h=12 m=30
